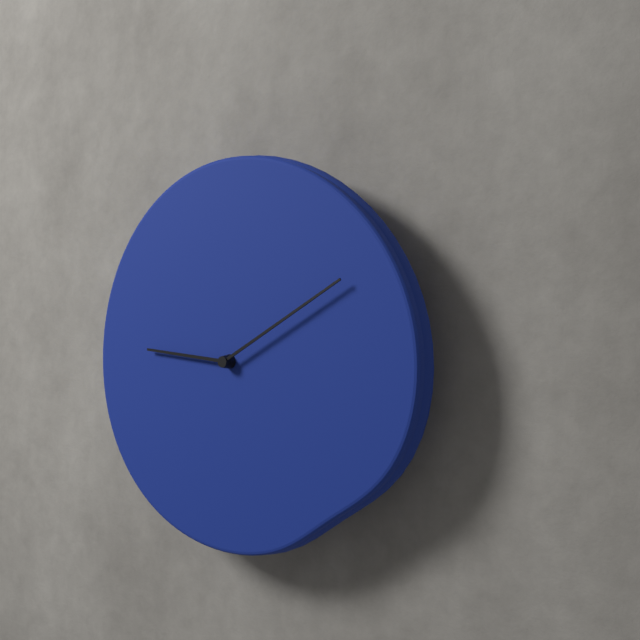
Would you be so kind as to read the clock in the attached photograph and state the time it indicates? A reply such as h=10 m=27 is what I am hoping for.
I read h=9 m=10
